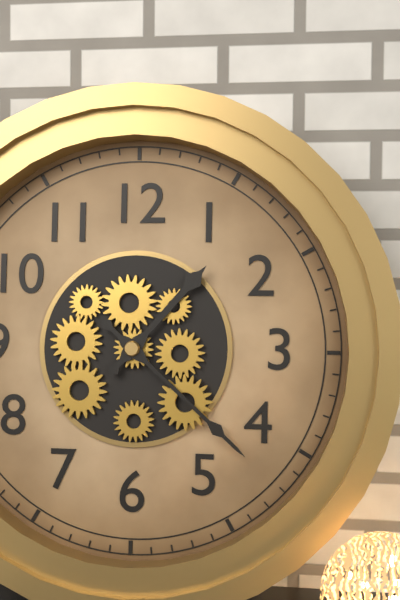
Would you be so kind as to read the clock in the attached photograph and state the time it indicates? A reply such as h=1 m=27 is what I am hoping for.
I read h=1 m=22
